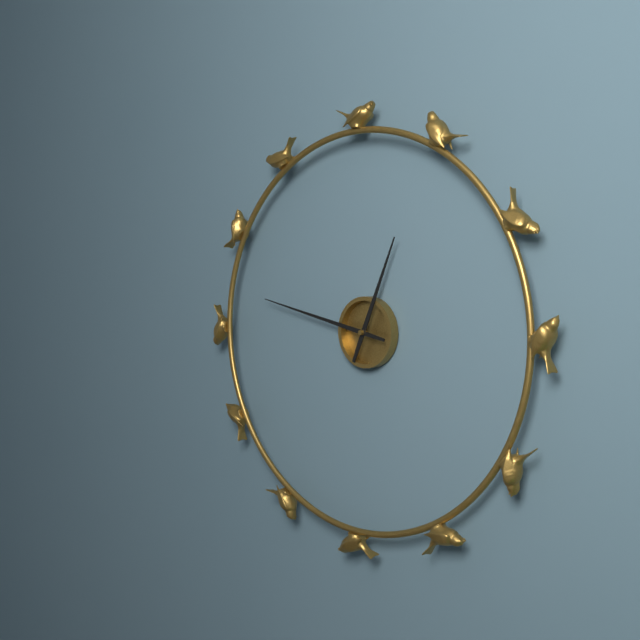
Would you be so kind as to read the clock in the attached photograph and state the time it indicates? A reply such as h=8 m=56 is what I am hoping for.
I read h=12 m=47
